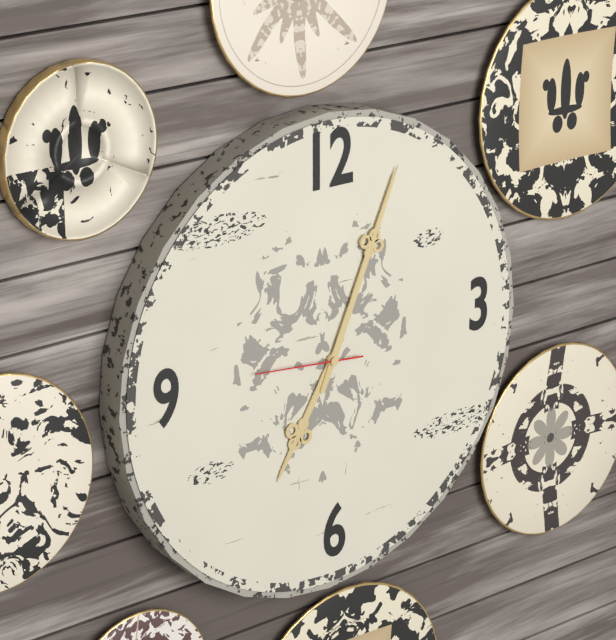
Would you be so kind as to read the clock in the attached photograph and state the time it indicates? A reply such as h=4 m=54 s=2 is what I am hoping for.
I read h=7 m=4 s=46
